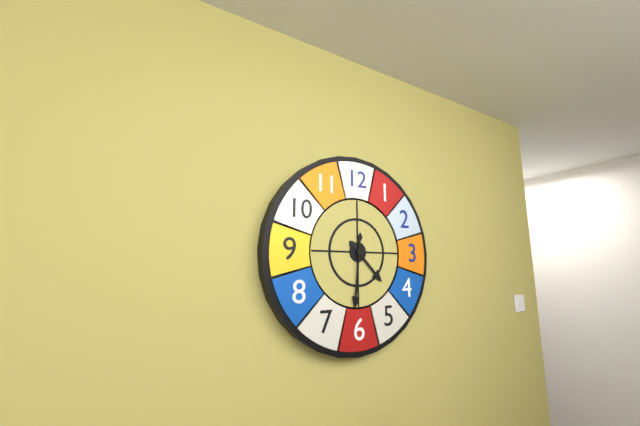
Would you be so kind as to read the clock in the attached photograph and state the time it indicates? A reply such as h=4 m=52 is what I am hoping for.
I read h=4 m=31
